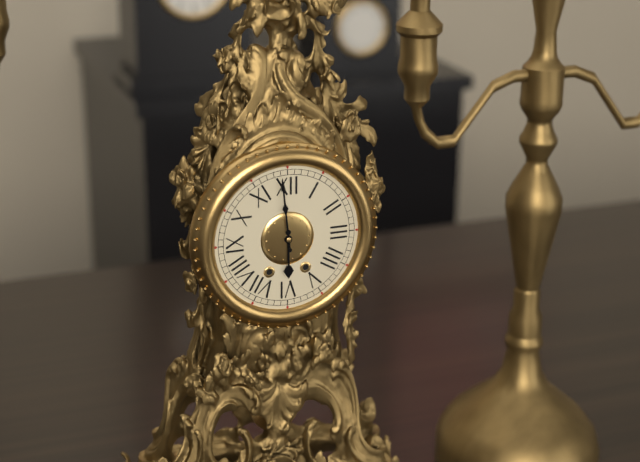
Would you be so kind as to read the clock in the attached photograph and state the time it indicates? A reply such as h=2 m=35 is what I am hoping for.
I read h=5 m=59
